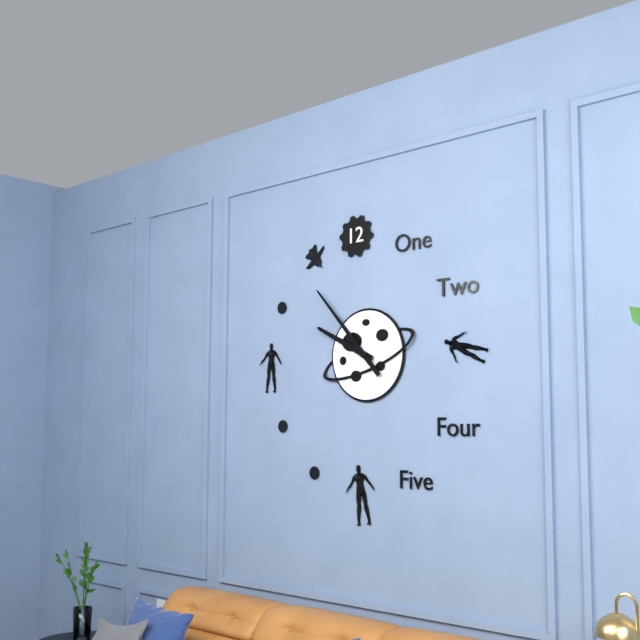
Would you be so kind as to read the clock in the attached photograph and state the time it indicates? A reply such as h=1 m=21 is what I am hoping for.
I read h=9 m=53
